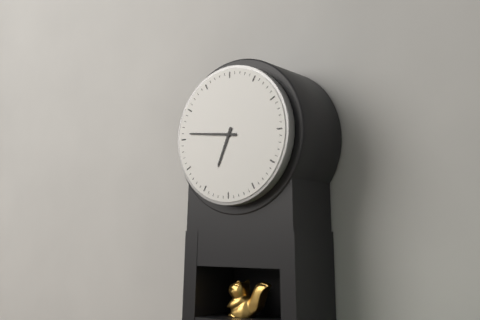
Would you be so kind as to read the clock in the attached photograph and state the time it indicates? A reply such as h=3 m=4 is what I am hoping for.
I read h=6 m=46
